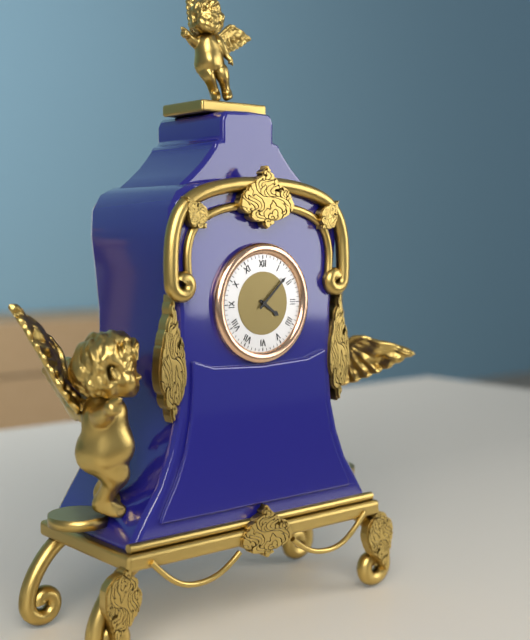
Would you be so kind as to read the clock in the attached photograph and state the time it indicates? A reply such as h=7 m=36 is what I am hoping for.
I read h=4 m=8
